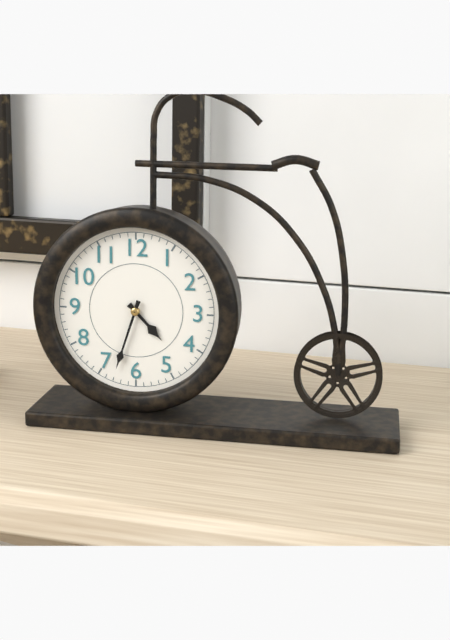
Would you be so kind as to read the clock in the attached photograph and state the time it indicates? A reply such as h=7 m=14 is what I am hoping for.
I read h=4 m=33
